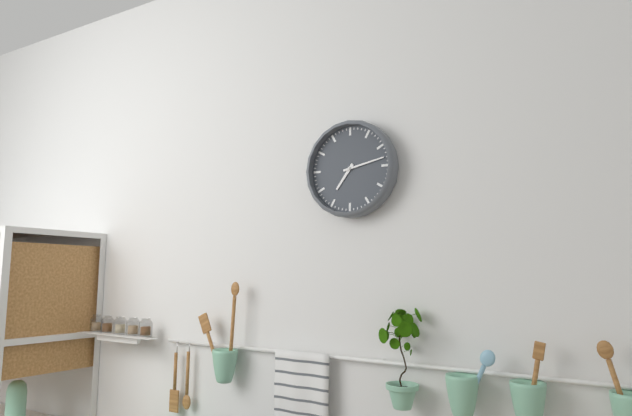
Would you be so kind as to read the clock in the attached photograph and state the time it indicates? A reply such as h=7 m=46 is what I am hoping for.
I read h=7 m=13
